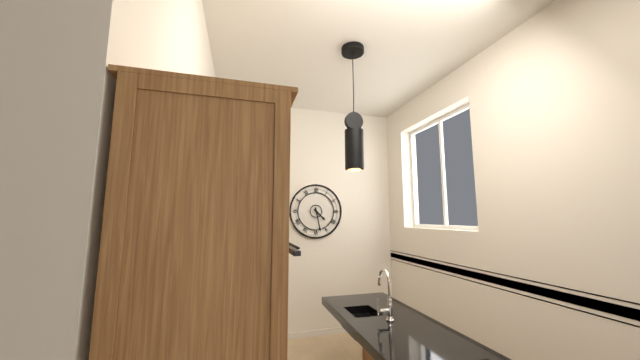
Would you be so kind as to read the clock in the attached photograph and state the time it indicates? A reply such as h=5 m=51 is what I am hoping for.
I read h=4 m=28
